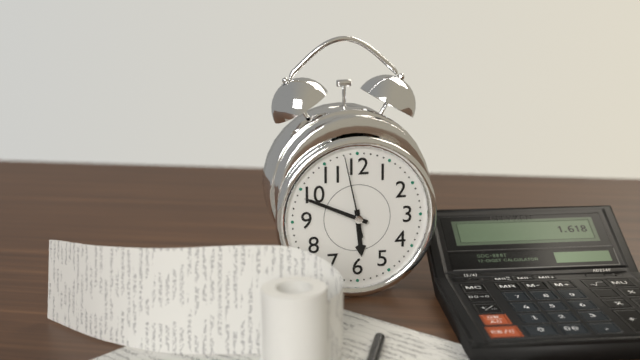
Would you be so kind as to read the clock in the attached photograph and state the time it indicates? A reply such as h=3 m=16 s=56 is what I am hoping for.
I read h=5 m=49 s=58
